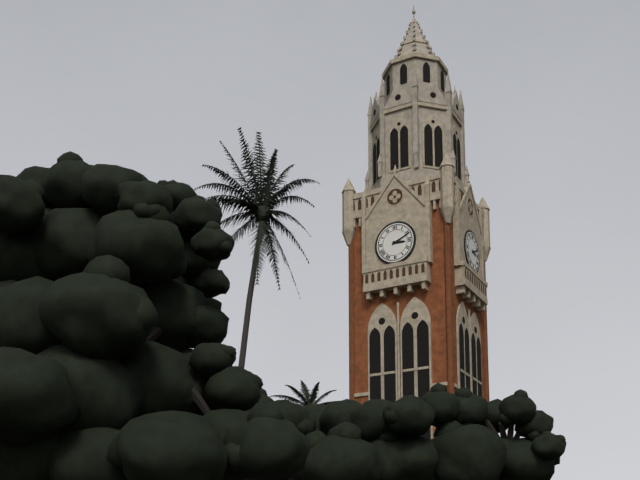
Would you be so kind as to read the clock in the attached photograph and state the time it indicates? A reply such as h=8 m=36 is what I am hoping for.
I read h=3 m=11
